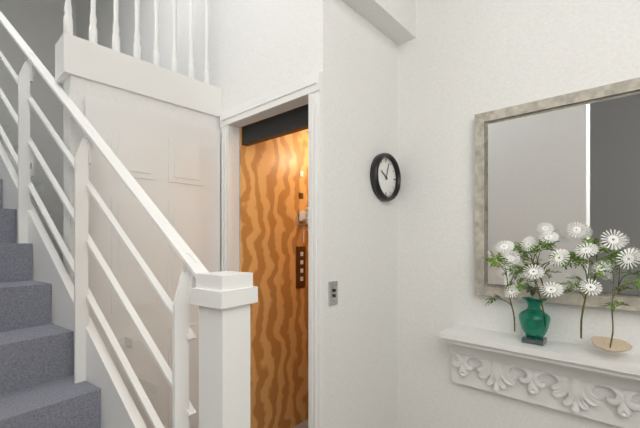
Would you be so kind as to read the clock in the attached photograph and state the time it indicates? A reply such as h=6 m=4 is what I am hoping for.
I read h=10 m=3
